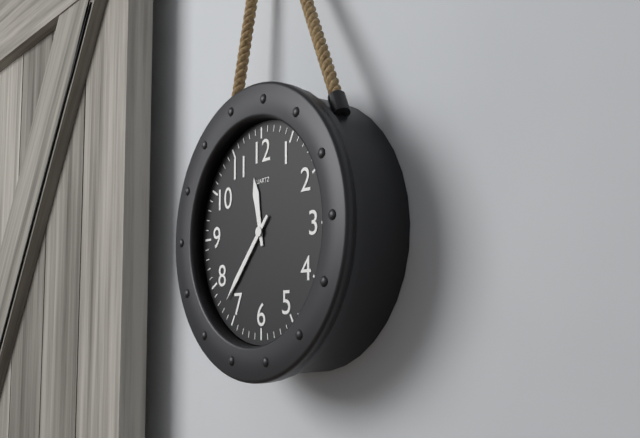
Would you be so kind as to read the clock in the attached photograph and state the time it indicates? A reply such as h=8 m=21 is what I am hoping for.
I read h=11 m=37
